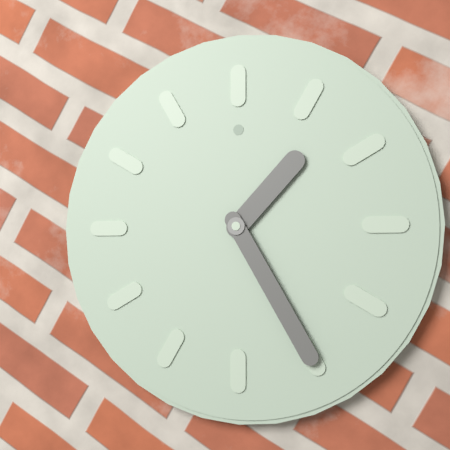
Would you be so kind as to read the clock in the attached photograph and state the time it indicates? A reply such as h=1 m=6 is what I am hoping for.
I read h=1 m=25
